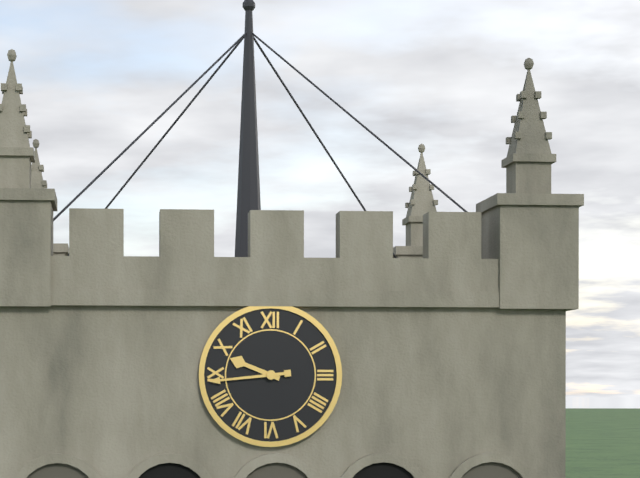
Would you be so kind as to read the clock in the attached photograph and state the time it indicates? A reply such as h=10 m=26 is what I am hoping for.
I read h=9 m=44
